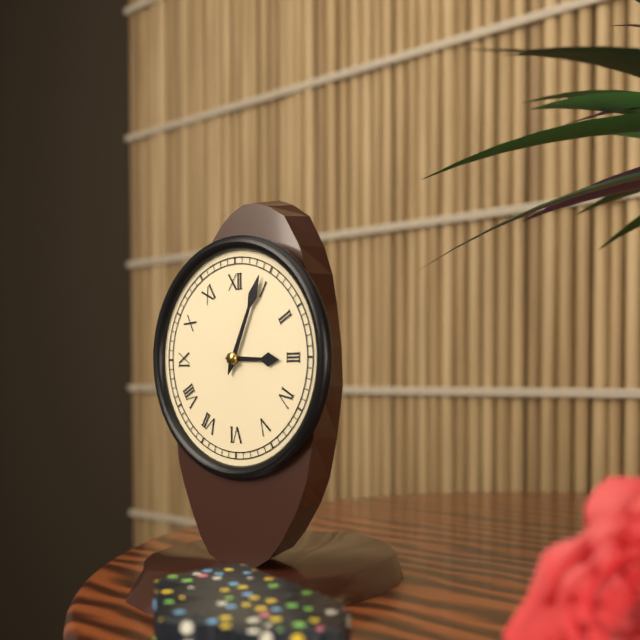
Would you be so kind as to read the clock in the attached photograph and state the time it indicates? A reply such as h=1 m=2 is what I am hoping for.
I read h=3 m=4
